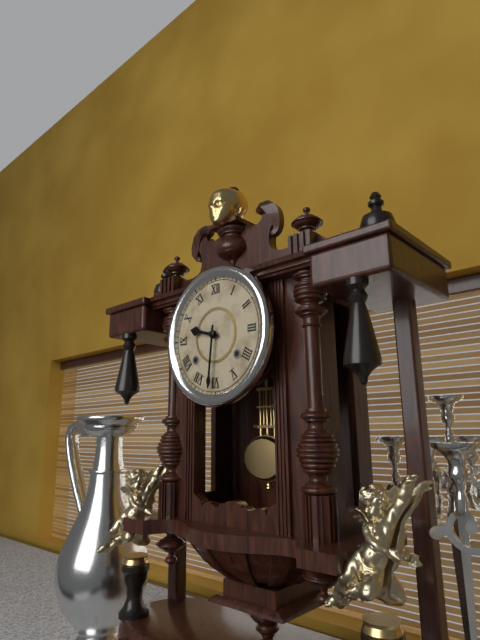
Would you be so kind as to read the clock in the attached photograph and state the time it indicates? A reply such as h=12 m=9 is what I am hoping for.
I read h=9 m=31
